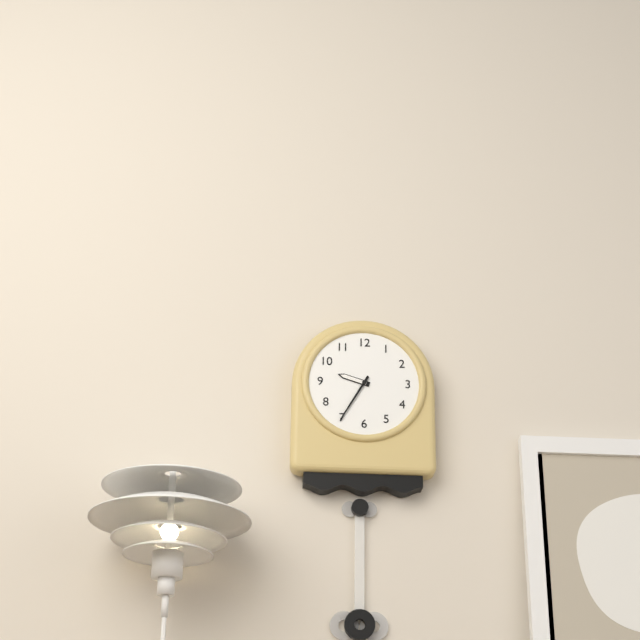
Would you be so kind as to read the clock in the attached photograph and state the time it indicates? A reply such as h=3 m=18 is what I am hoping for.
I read h=9 m=35
